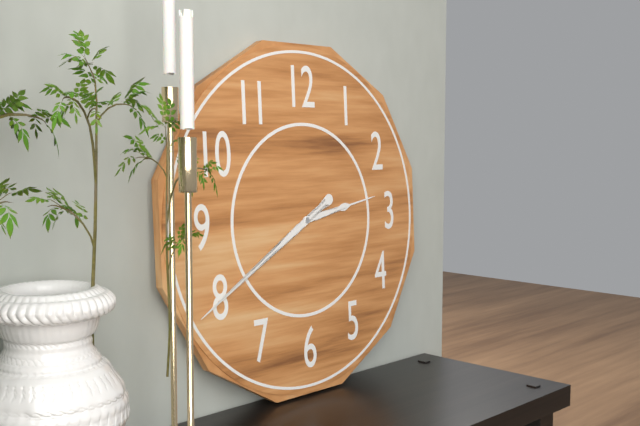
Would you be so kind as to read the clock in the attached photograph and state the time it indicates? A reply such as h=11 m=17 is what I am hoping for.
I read h=2 m=40
